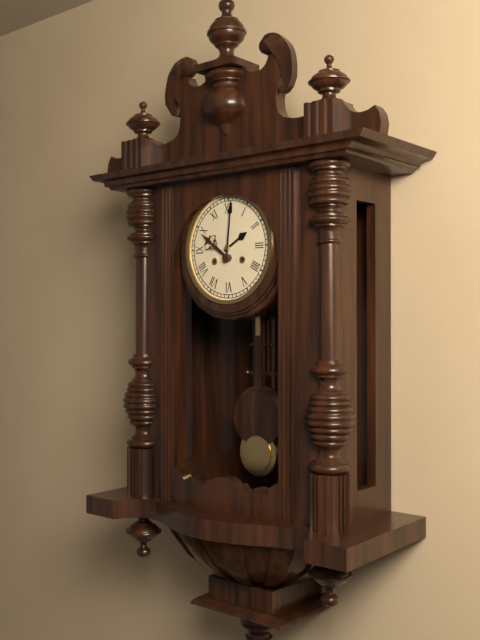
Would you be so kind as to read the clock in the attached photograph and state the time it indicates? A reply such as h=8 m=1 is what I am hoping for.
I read h=2 m=1
